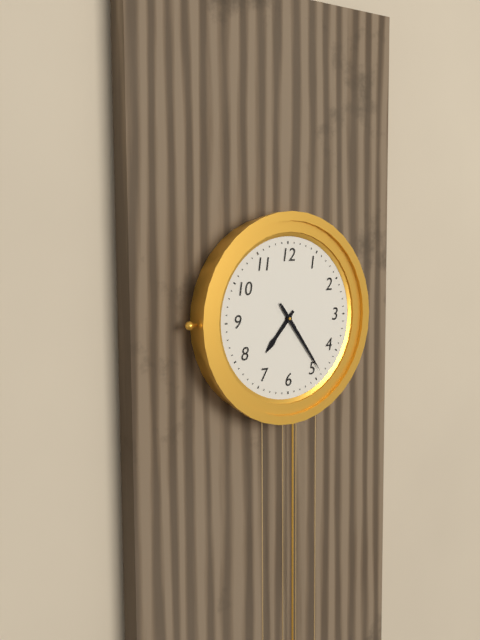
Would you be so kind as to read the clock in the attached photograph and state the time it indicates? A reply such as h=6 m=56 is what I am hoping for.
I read h=7 m=24
